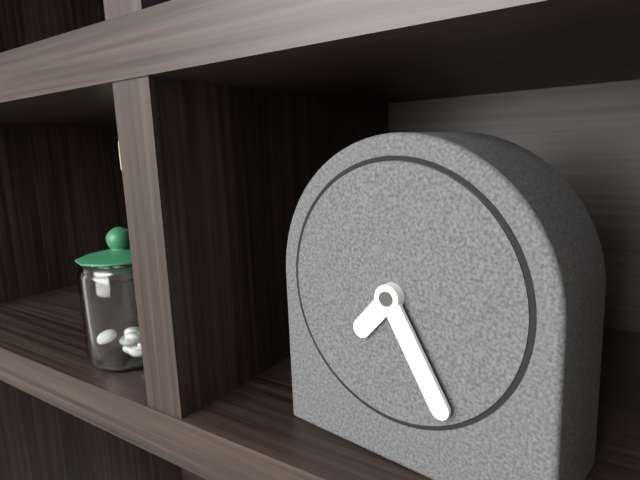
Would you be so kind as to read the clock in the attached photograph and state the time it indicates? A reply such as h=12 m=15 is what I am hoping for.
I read h=7 m=25
